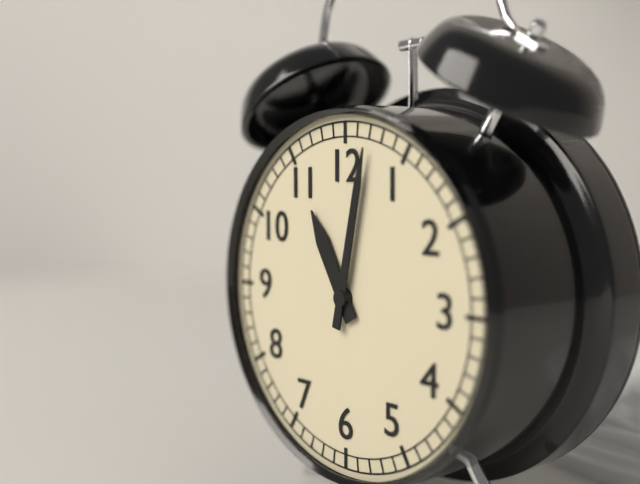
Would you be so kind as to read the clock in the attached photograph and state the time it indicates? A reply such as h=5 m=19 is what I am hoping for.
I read h=11 m=2
